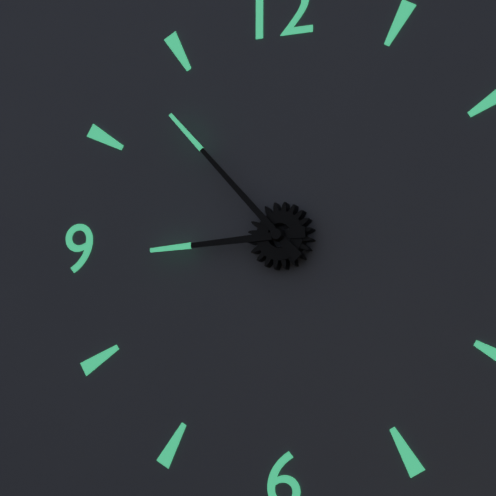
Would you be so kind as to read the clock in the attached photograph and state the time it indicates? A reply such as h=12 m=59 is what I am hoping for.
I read h=8 m=53
